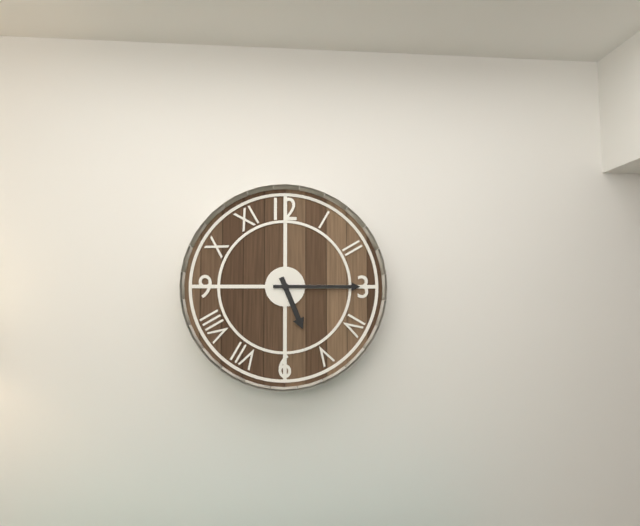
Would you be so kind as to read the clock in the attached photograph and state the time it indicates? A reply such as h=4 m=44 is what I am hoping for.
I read h=5 m=15
